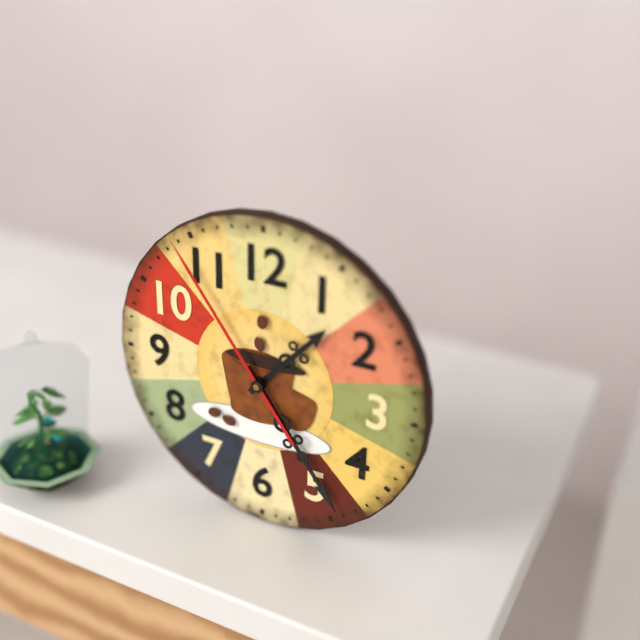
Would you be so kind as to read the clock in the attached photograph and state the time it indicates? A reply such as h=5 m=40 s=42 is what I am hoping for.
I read h=1 m=24 s=54
